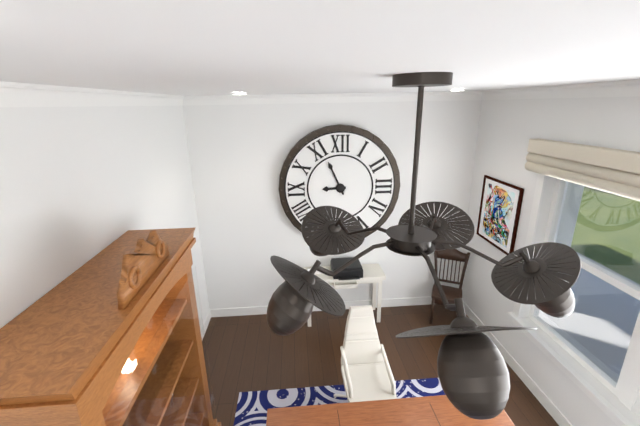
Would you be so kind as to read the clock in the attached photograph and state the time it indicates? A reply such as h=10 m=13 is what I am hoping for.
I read h=8 m=56
